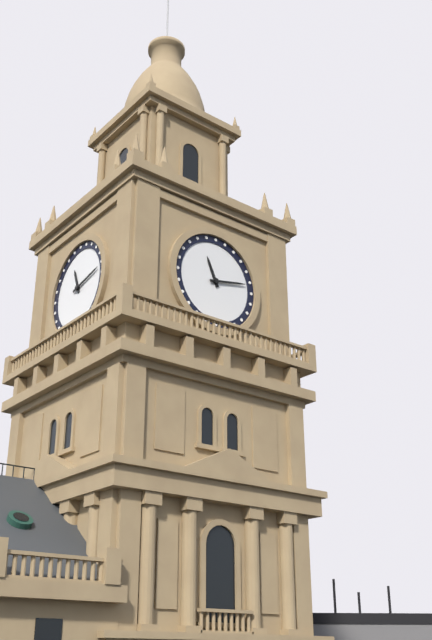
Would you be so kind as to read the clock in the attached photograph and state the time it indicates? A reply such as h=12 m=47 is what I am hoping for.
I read h=11 m=13
